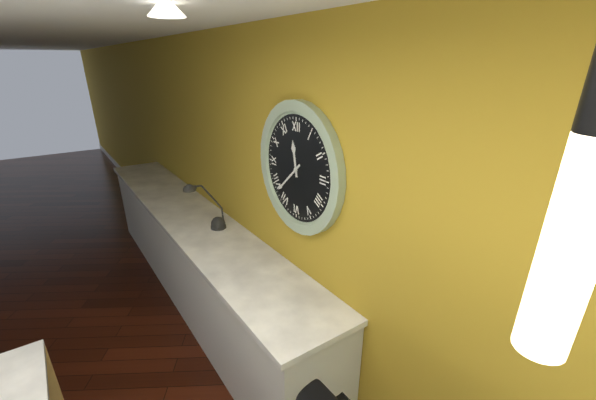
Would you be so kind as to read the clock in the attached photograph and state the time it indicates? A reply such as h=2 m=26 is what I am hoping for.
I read h=11 m=38
